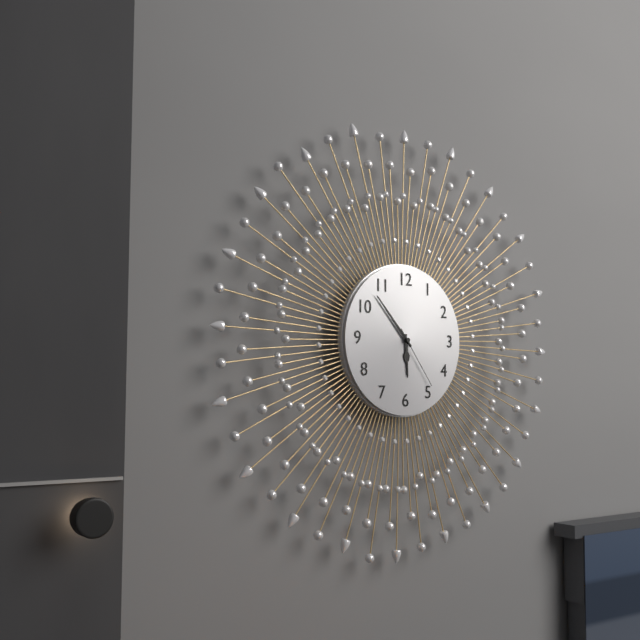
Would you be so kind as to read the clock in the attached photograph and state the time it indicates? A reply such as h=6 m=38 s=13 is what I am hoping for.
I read h=5 m=53 s=24
